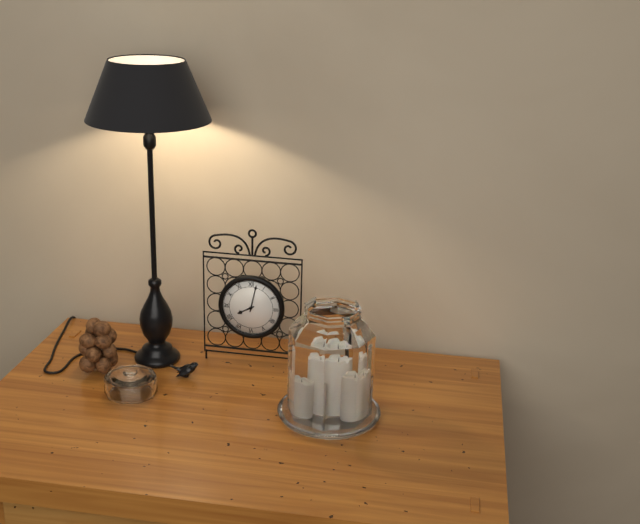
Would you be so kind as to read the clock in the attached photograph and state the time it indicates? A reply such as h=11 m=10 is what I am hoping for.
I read h=8 m=2
